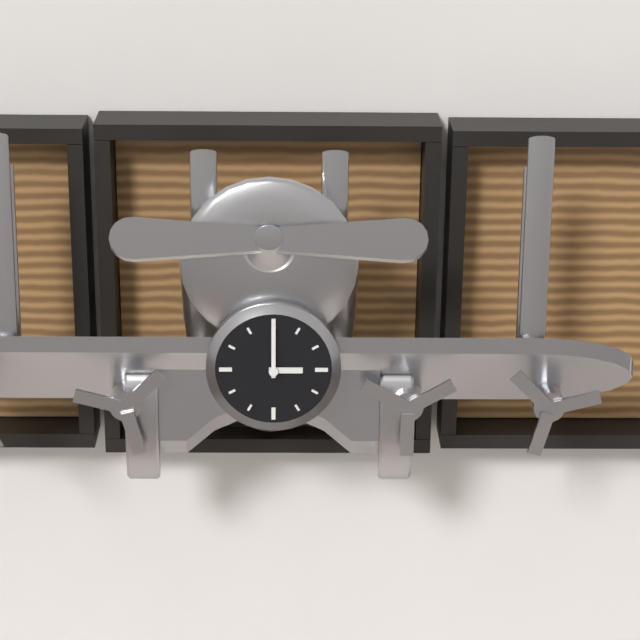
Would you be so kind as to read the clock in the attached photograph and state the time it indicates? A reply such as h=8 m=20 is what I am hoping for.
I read h=3 m=0
